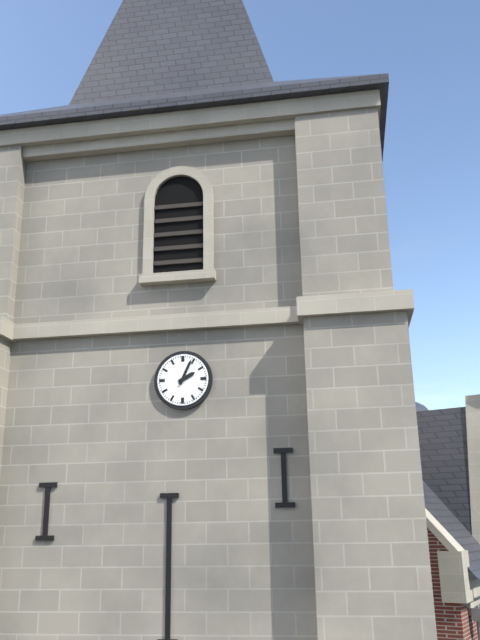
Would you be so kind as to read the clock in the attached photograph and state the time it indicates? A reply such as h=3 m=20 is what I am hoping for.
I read h=2 m=4
